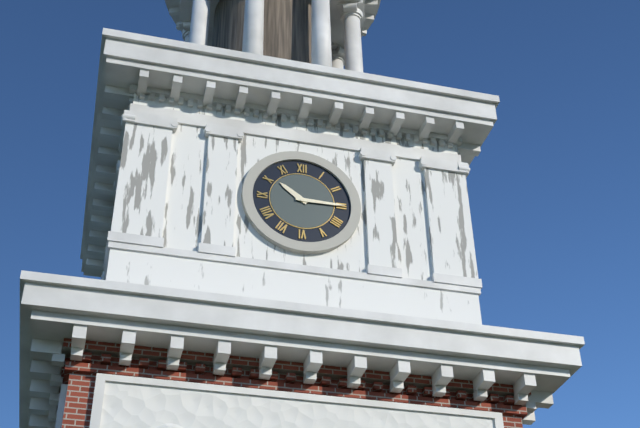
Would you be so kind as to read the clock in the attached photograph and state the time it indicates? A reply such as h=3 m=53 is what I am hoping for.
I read h=10 m=15
